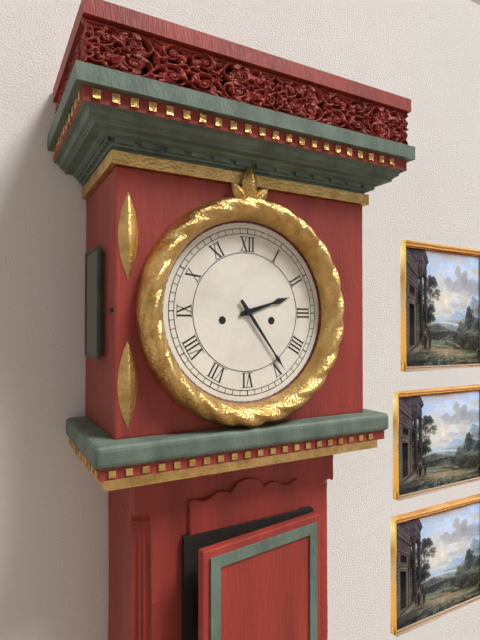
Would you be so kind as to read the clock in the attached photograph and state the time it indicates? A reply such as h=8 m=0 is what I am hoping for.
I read h=2 m=24
